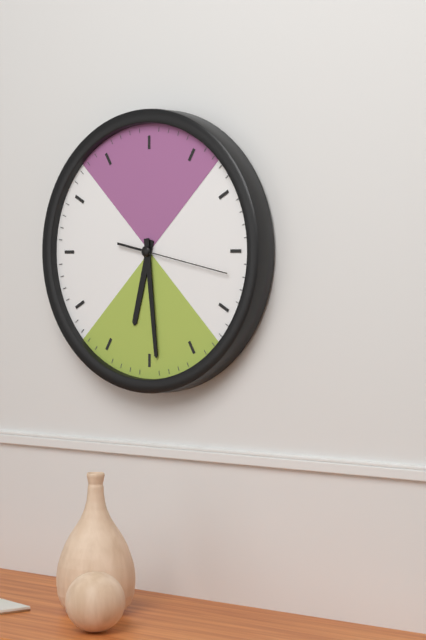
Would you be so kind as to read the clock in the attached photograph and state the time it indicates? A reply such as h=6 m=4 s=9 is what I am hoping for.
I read h=6 m=29 s=17
